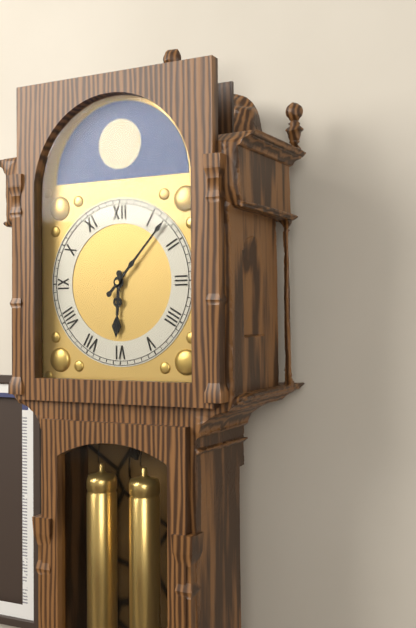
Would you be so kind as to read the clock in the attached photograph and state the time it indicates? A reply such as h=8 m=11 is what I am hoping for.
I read h=6 m=7
